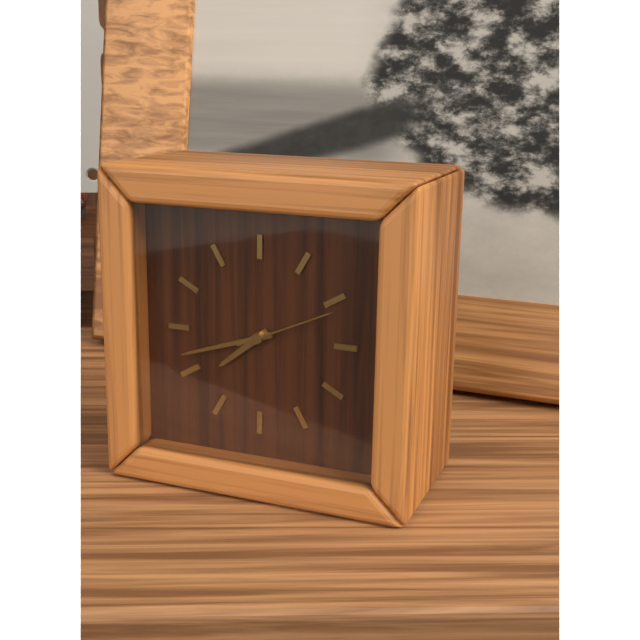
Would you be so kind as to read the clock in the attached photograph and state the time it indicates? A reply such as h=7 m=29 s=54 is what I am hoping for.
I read h=7 m=42 s=11
